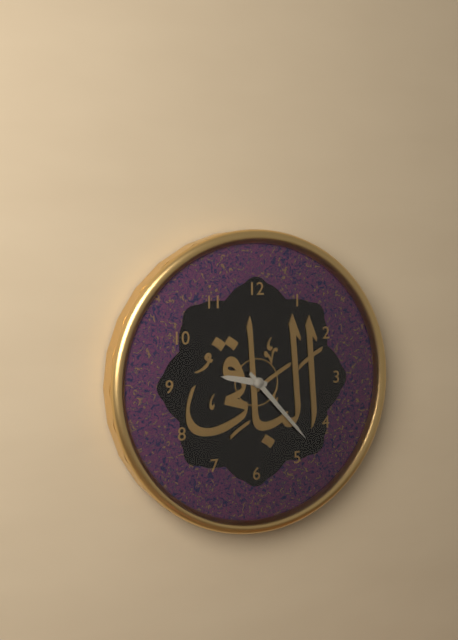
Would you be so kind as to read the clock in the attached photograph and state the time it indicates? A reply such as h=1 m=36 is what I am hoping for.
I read h=9 m=23
